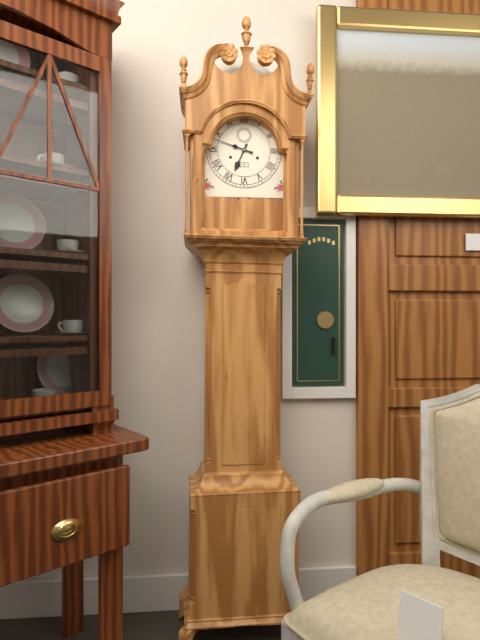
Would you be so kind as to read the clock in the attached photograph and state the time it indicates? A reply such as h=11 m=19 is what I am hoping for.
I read h=6 m=48
